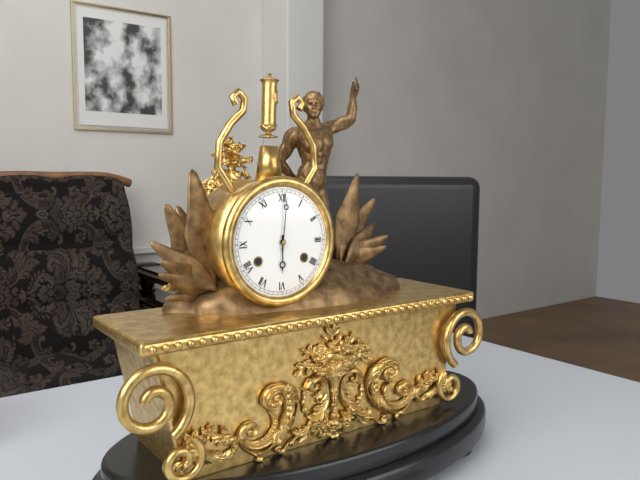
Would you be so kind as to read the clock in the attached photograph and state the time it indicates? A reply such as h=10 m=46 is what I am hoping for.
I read h=6 m=1
